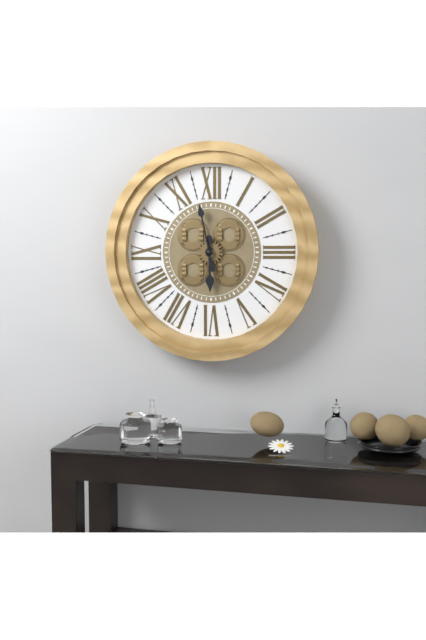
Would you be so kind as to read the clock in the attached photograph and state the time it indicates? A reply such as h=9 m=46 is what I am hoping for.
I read h=5 m=58
